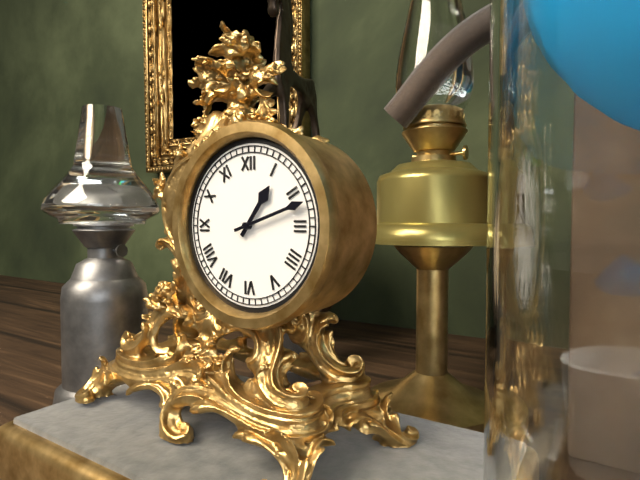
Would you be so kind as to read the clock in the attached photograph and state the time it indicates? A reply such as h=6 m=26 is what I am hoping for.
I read h=1 m=12
